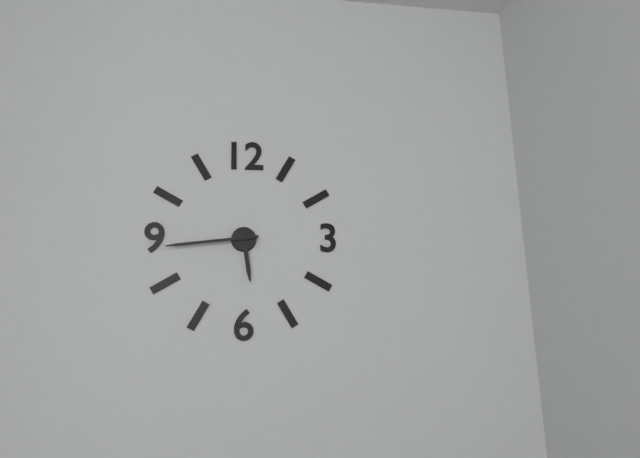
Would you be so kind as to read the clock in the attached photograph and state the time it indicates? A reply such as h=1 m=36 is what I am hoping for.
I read h=5 m=44
